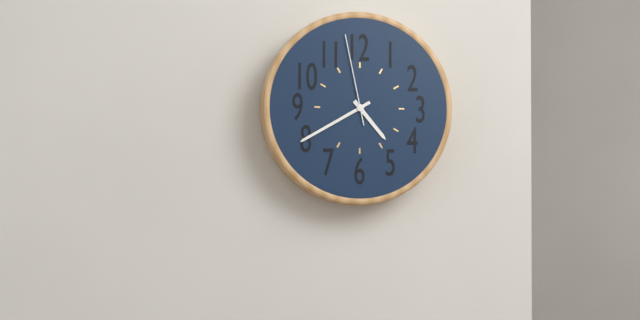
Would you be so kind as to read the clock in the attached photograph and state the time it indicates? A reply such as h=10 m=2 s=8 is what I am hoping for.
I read h=4 m=40 s=58
